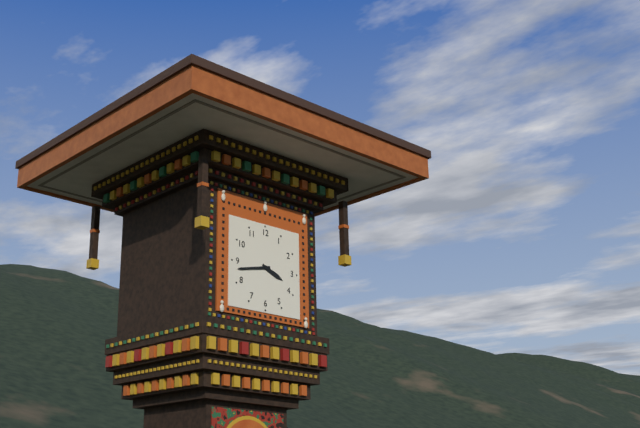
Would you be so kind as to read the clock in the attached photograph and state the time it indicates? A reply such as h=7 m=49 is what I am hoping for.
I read h=3 m=43
